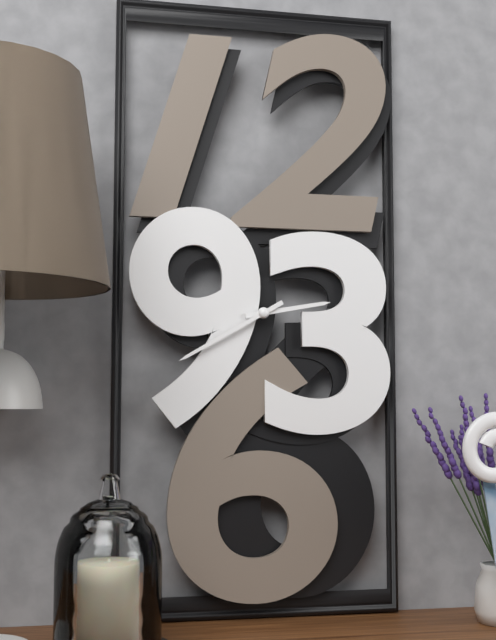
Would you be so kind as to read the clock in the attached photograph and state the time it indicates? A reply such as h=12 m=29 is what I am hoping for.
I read h=2 m=40
